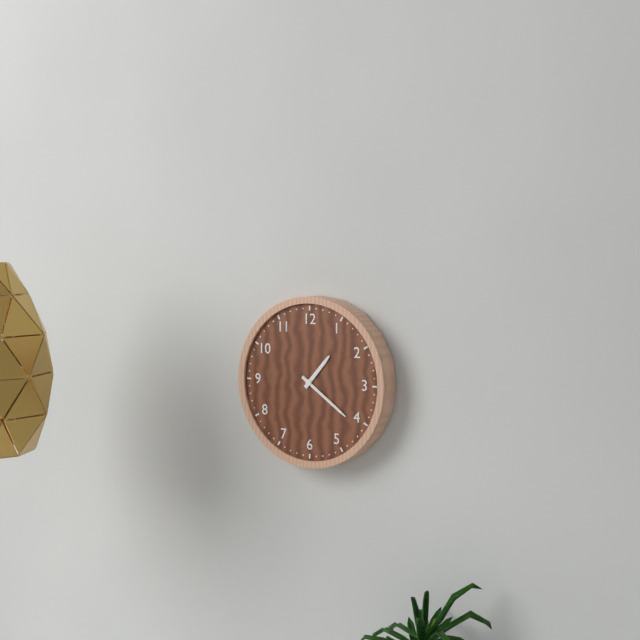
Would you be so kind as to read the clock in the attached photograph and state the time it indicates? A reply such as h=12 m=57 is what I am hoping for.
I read h=1 m=21
